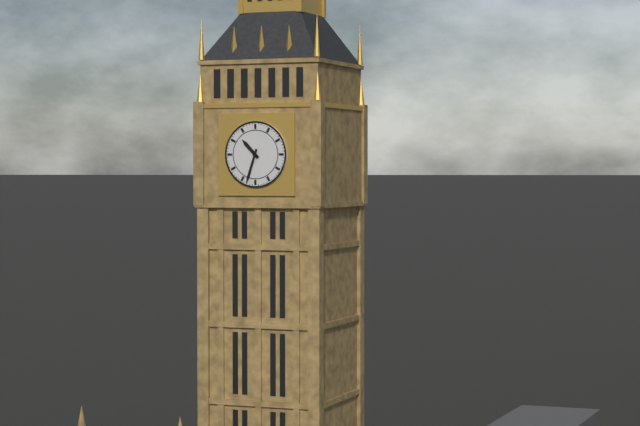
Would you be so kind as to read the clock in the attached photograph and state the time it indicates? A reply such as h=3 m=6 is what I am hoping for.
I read h=10 m=33
